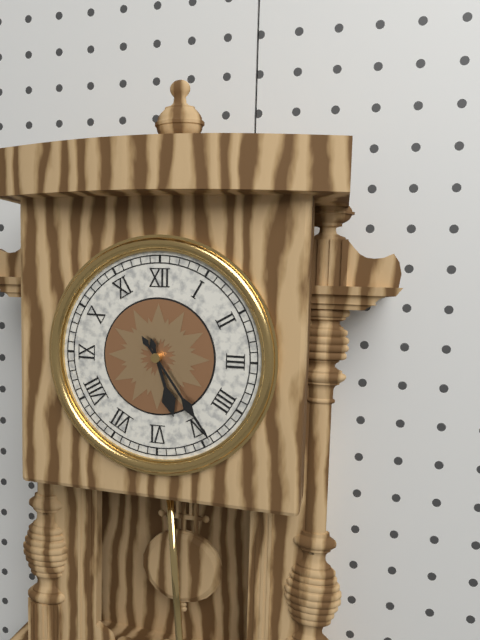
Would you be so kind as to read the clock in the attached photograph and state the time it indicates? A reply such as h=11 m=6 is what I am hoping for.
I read h=5 m=24
